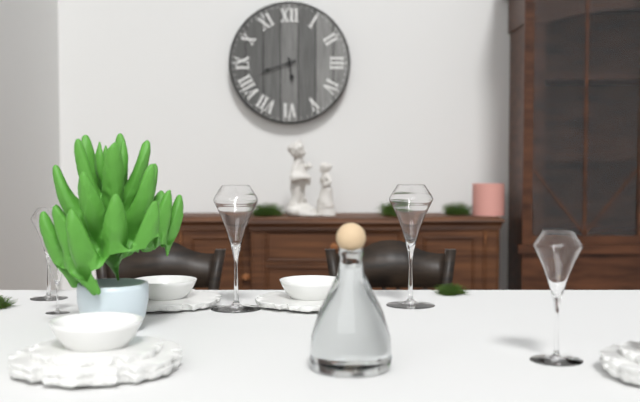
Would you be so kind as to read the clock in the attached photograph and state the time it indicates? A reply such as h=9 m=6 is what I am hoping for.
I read h=5 m=42
